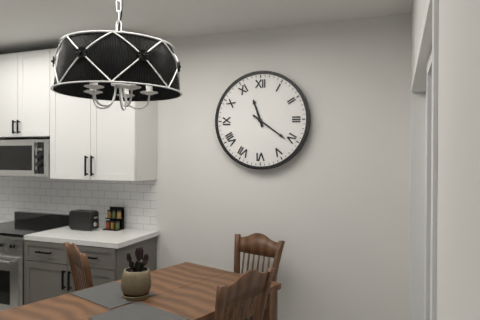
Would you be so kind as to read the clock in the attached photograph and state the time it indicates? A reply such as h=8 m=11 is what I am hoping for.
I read h=11 m=21
